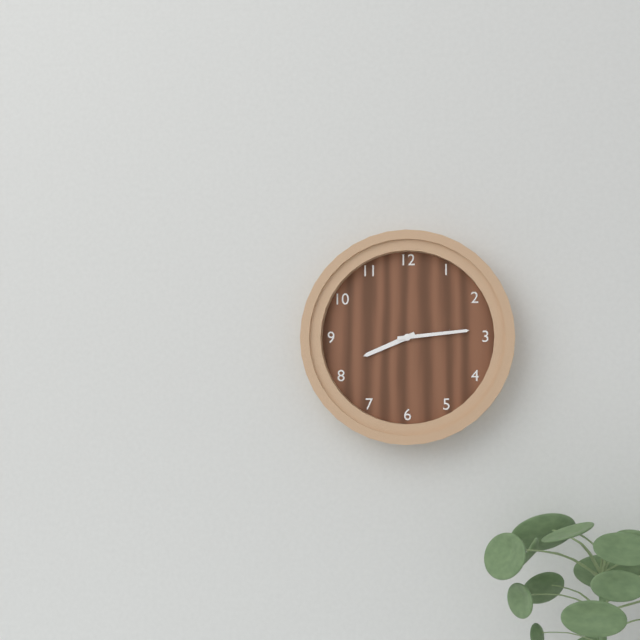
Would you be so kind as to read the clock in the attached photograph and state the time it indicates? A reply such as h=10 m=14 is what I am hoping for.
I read h=8 m=14
